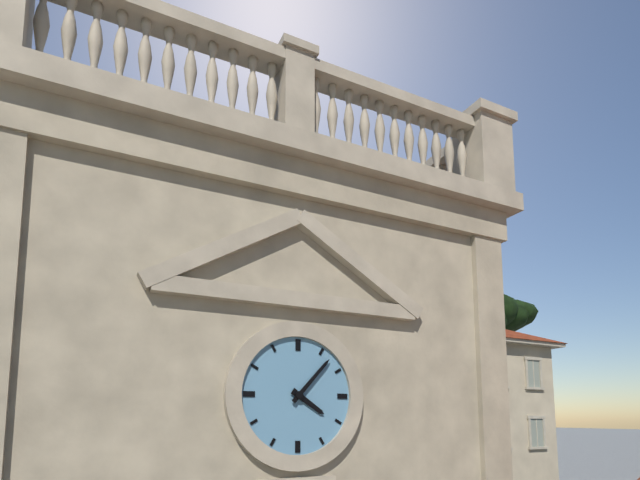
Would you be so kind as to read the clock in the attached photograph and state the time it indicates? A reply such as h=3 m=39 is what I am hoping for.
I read h=4 m=7
